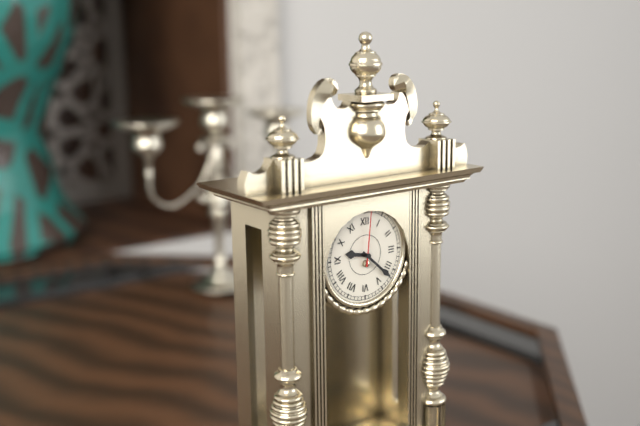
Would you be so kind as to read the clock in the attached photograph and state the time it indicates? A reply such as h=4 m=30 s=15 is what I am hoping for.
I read h=9 m=22 s=1
